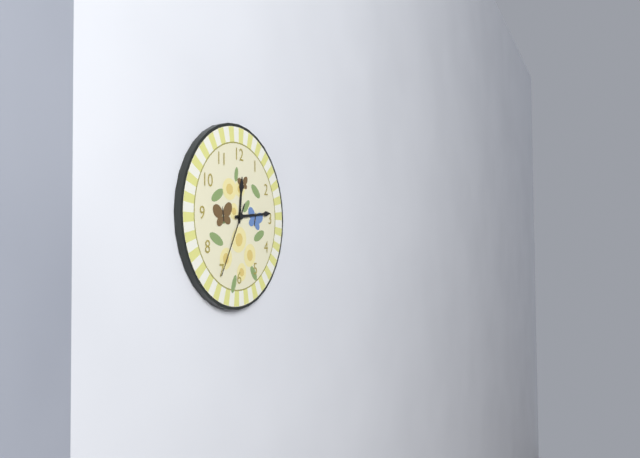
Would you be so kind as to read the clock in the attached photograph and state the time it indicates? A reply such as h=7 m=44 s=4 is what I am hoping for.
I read h=12 m=14 s=35
